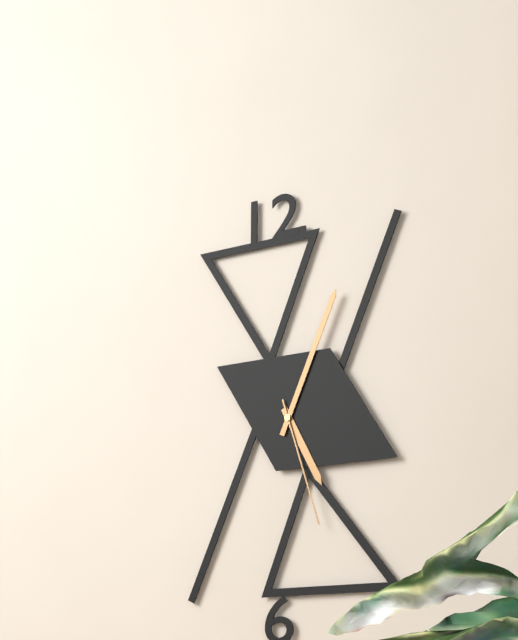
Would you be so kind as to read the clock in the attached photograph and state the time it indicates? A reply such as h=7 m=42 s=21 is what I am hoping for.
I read h=5 m=4 s=27
